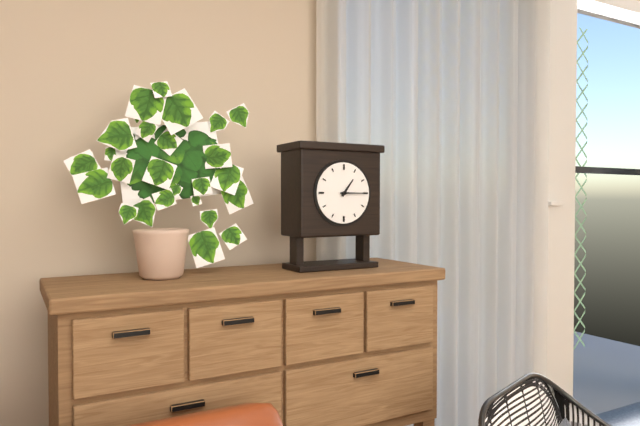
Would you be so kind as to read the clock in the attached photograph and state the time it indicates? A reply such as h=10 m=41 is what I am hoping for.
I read h=1 m=15
